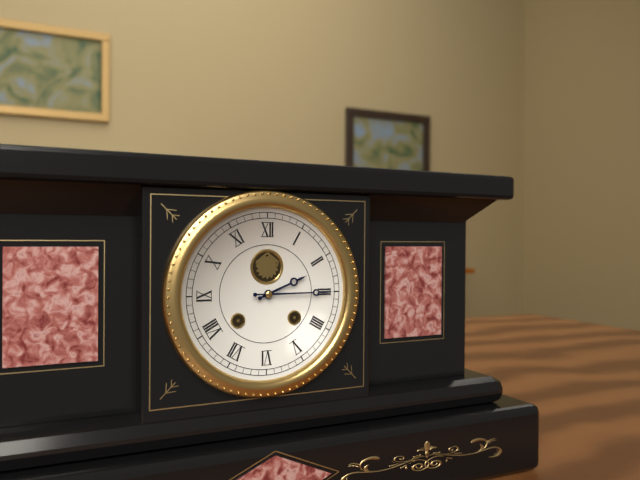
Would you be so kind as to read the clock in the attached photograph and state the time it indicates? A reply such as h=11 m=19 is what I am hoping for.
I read h=2 m=15
